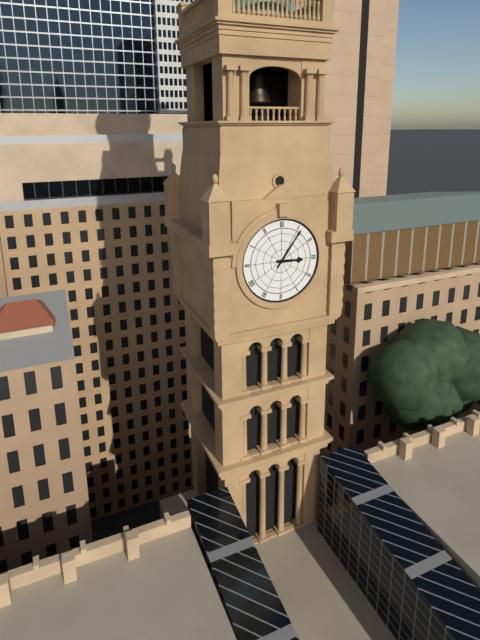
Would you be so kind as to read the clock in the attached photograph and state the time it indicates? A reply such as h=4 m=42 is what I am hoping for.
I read h=3 m=6
